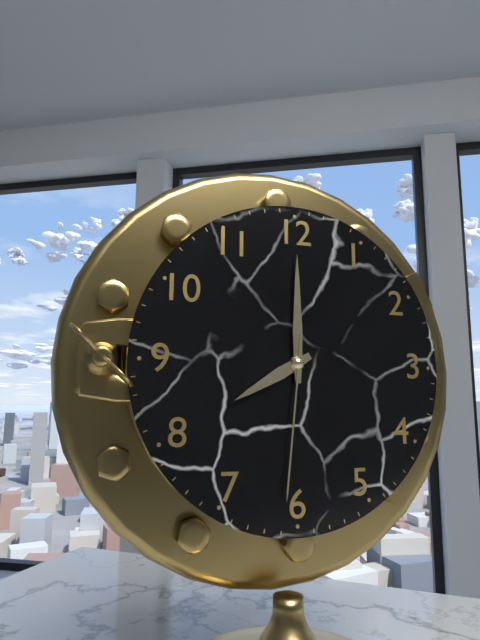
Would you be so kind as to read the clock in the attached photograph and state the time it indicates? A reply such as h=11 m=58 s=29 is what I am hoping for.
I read h=8 m=0 s=31
